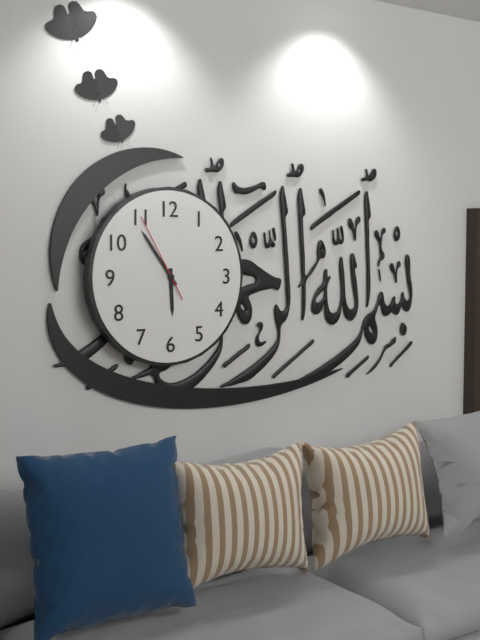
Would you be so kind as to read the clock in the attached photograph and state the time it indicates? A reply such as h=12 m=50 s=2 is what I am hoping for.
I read h=5 m=54 s=55
